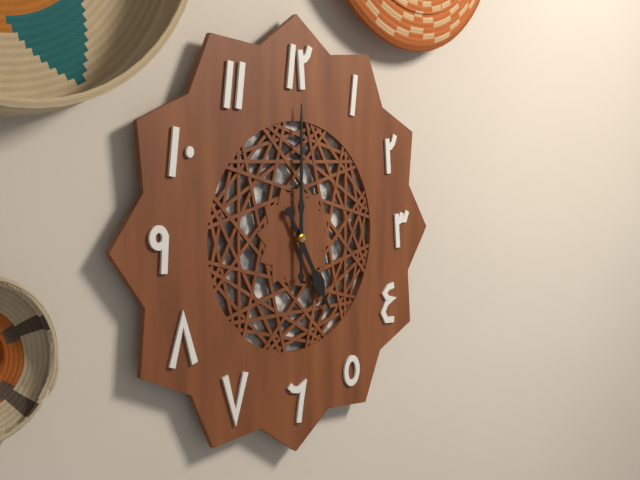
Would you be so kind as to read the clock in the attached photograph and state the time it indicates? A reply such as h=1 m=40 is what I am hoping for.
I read h=5 m=0
